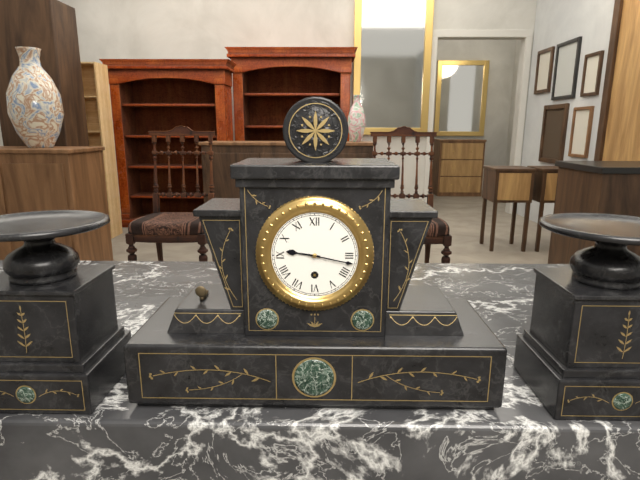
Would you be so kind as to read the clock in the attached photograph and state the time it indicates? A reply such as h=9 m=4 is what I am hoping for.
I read h=9 m=17
